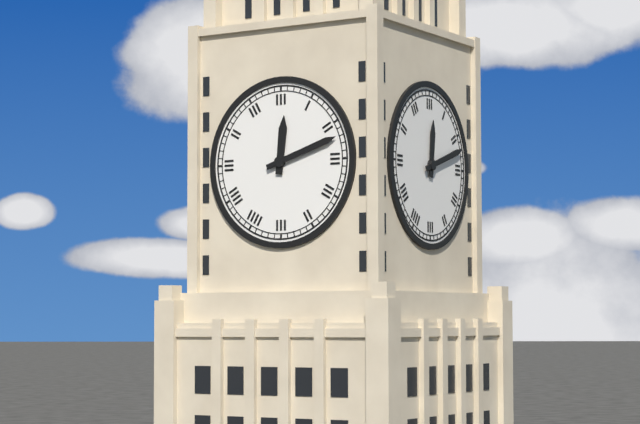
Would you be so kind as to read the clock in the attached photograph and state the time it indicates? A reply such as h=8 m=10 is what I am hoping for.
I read h=12 m=12
